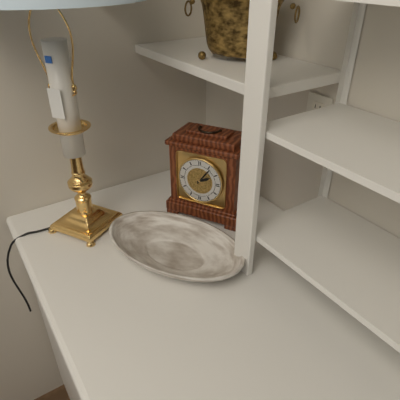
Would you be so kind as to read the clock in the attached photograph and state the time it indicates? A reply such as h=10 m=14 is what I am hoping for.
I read h=2 m=6
